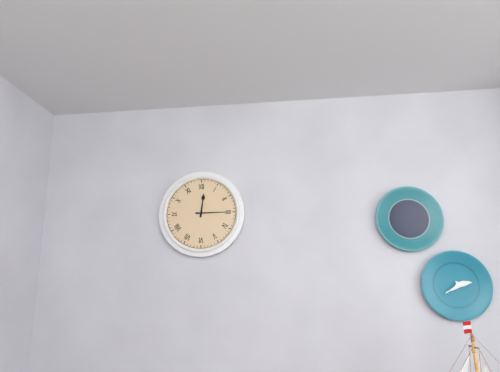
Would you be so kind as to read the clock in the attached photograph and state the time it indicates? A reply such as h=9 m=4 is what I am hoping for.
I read h=12 m=15
